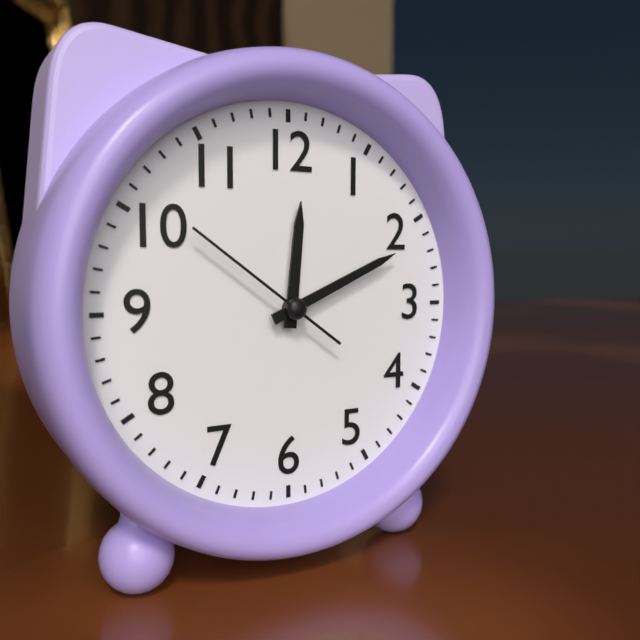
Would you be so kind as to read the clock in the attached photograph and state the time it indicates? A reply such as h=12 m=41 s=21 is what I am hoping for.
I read h=12 m=11 s=51
